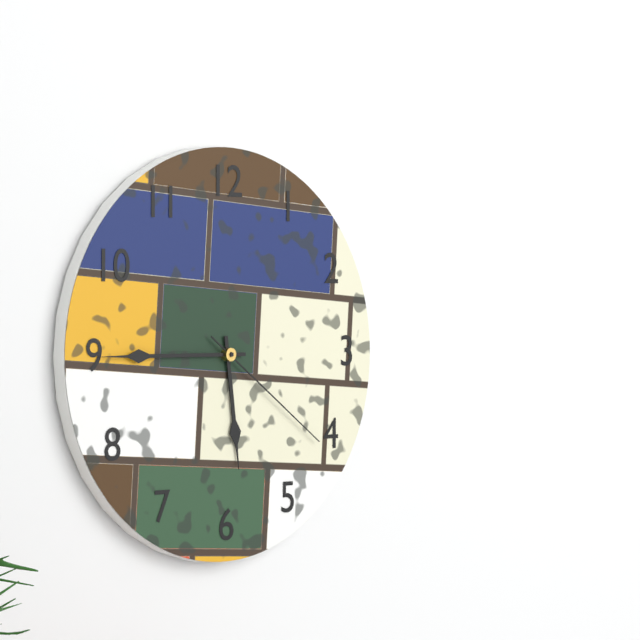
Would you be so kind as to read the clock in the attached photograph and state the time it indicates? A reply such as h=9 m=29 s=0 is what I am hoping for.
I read h=5 m=45 s=21
